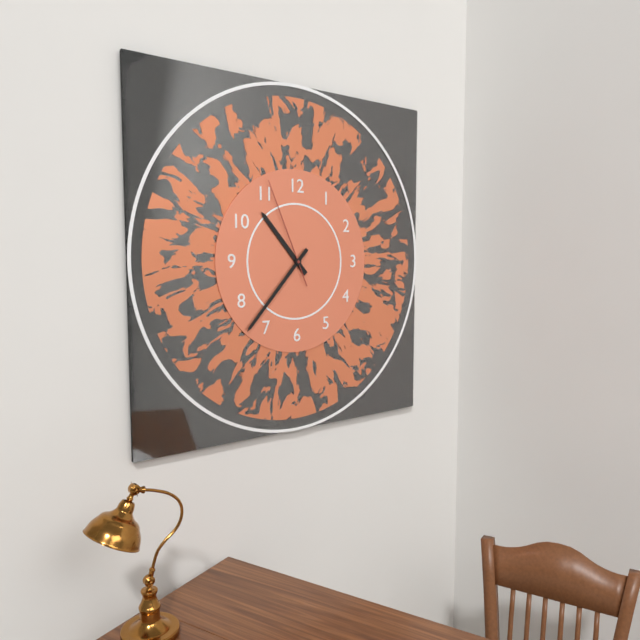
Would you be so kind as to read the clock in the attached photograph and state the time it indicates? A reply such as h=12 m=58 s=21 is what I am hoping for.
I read h=10 m=37 s=56
